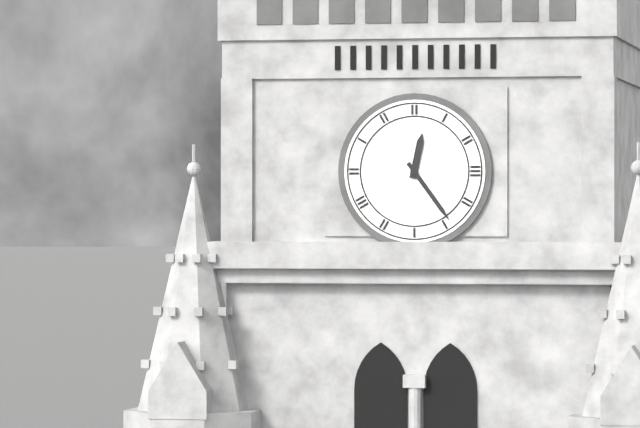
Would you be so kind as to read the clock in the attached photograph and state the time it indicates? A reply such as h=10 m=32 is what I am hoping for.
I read h=12 m=24
